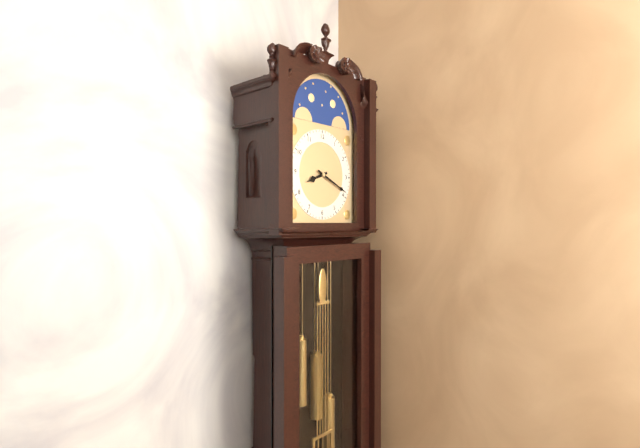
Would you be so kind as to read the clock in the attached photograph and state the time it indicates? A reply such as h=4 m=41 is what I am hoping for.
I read h=8 m=19
